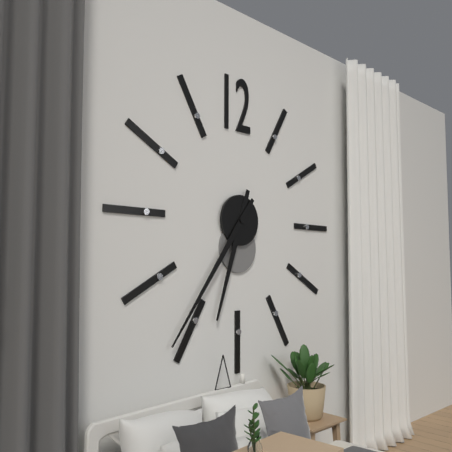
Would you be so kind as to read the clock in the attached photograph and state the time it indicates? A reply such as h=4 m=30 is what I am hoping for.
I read h=6 m=36
